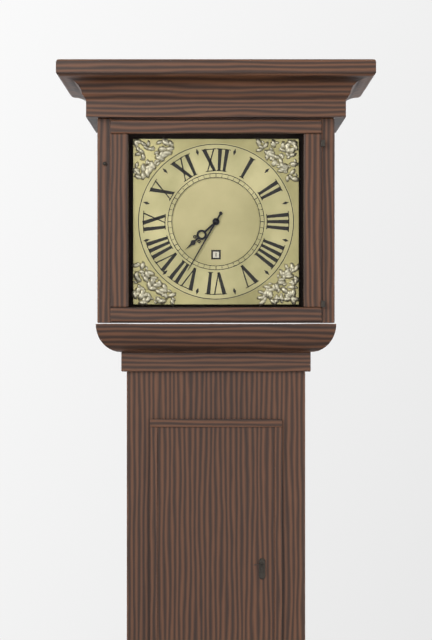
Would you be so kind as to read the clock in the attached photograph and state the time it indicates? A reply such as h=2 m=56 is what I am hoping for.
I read h=7 m=35
